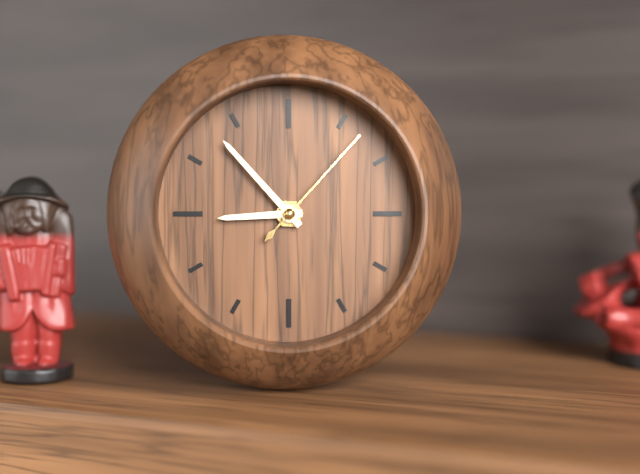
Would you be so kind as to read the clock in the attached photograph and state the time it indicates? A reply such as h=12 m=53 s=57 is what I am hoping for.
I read h=8 m=53 s=7
